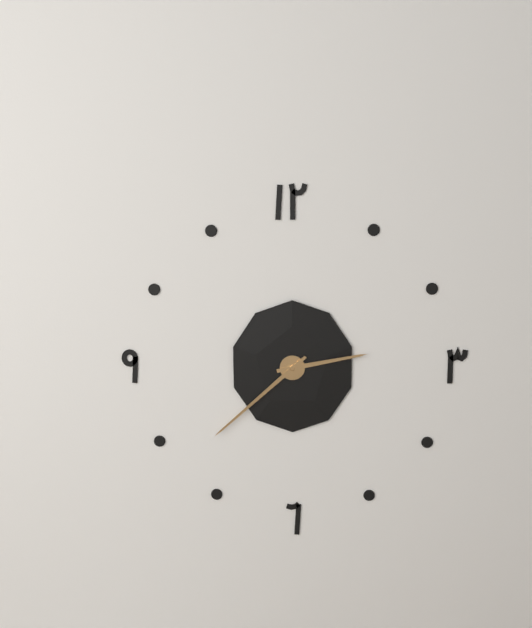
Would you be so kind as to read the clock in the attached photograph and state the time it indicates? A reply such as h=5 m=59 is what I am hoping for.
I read h=2 m=38
